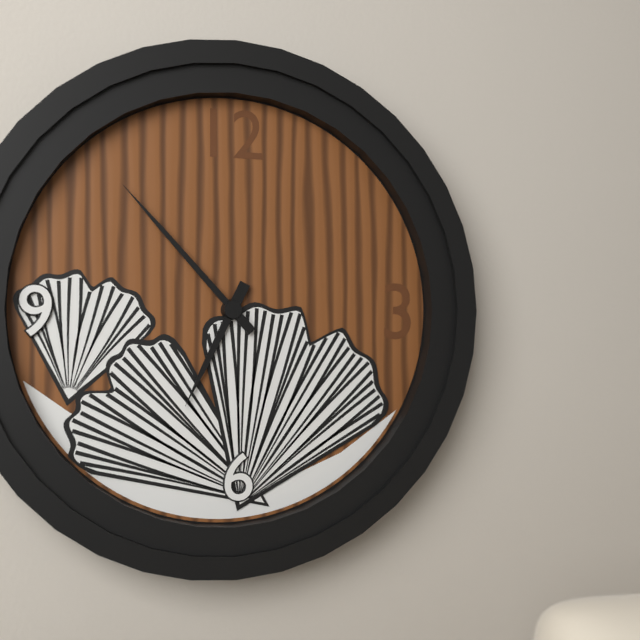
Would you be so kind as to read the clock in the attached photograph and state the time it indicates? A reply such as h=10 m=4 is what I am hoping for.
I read h=6 m=53
